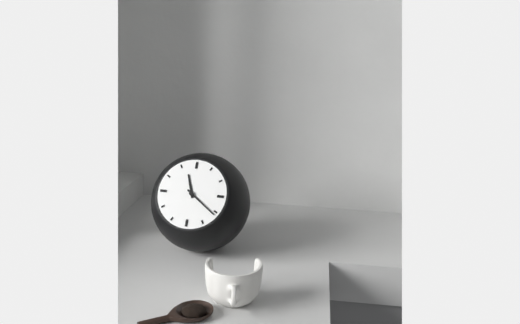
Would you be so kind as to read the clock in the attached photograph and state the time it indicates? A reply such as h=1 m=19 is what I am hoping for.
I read h=11 m=21
